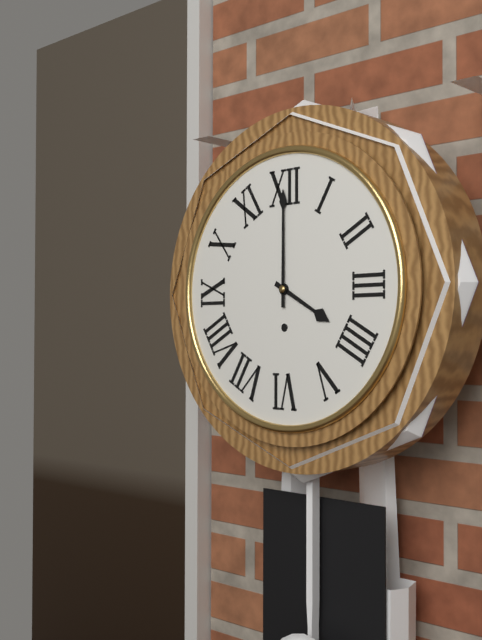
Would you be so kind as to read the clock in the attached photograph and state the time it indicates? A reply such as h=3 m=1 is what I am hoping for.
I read h=4 m=0
